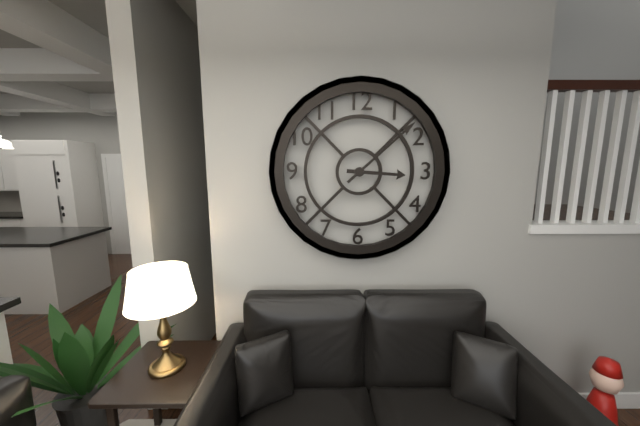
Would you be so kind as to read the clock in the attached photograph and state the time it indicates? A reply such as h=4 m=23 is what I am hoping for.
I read h=3 m=8
